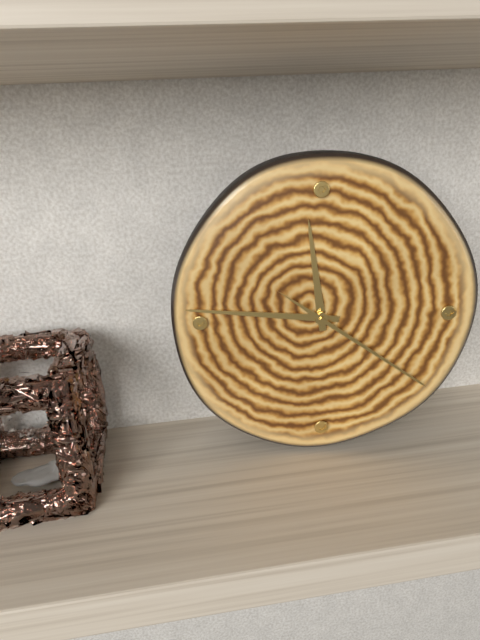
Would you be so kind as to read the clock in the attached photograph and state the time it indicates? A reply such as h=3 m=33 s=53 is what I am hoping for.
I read h=11 m=46 s=21
